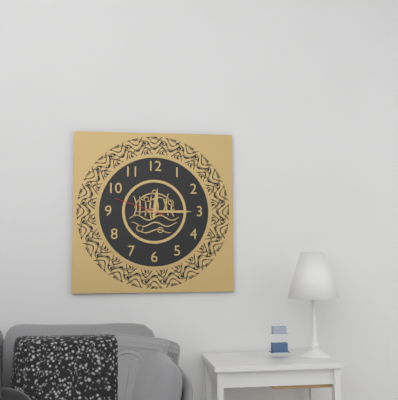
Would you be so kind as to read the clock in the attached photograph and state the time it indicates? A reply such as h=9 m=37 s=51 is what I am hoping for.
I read h=12 m=15 s=48
